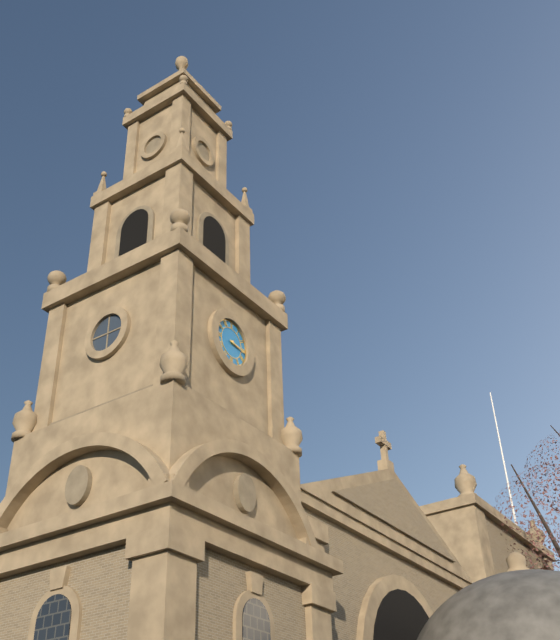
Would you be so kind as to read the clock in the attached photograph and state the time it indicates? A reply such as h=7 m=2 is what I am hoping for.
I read h=3 m=16
